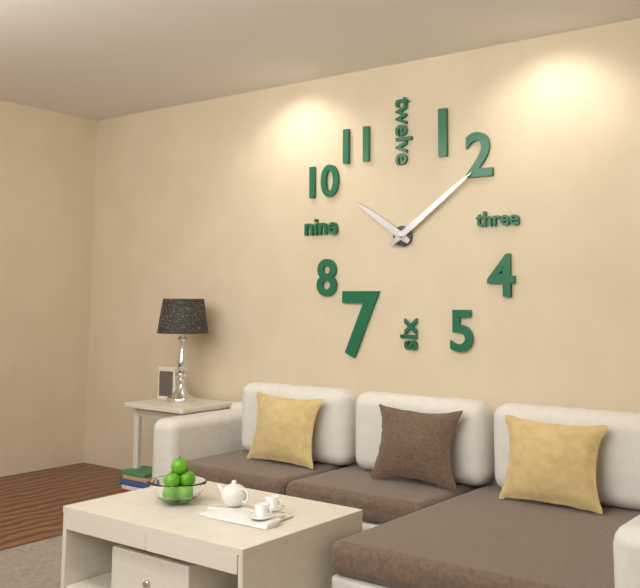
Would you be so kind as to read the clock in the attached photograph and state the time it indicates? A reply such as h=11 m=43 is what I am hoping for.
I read h=10 m=9
